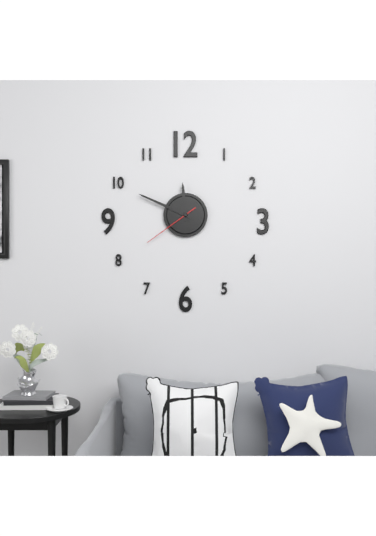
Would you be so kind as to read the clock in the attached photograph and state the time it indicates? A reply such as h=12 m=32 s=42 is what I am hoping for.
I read h=11 m=49 s=39
